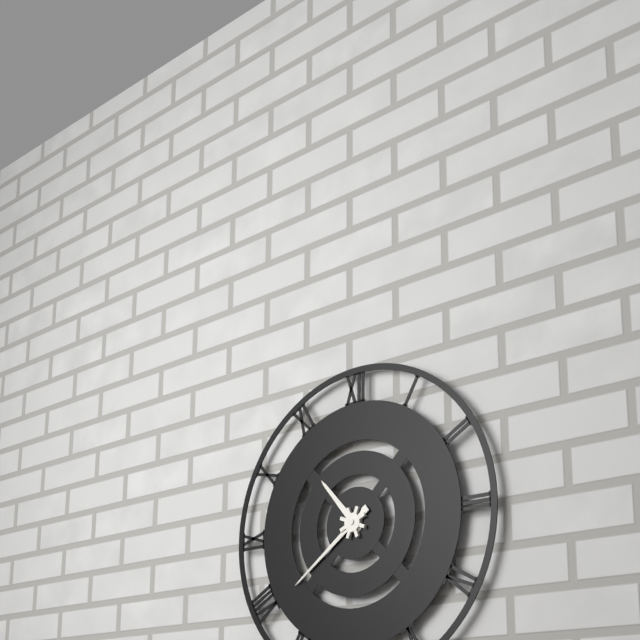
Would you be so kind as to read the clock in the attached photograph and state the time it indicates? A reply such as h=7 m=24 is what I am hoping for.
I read h=10 m=39
